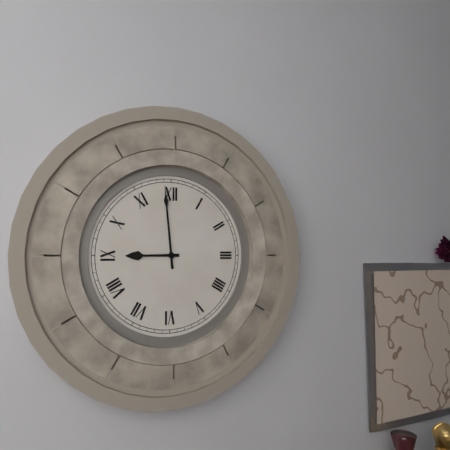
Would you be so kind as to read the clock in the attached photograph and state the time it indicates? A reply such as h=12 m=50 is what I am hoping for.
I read h=8 m=59
